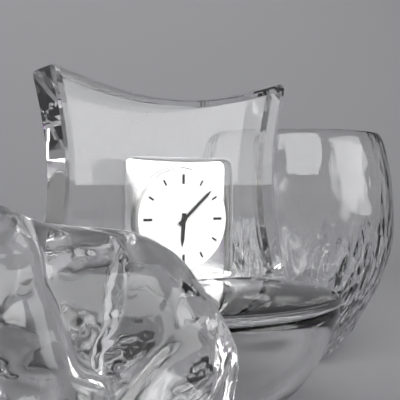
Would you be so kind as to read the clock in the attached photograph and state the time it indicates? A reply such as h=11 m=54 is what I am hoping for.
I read h=6 m=8
